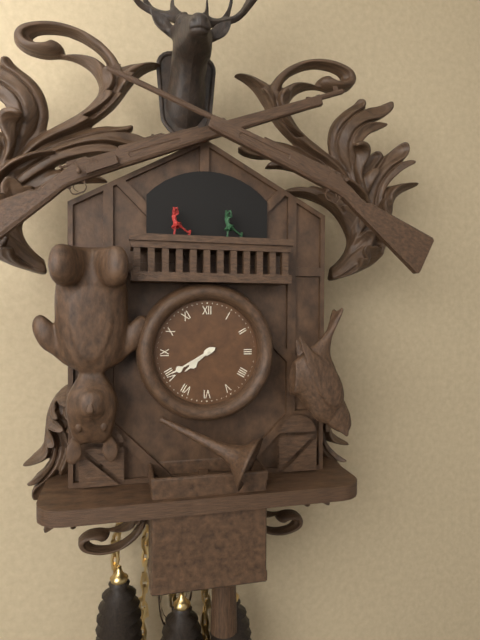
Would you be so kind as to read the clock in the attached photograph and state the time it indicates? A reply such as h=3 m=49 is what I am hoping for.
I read h=7 m=40
